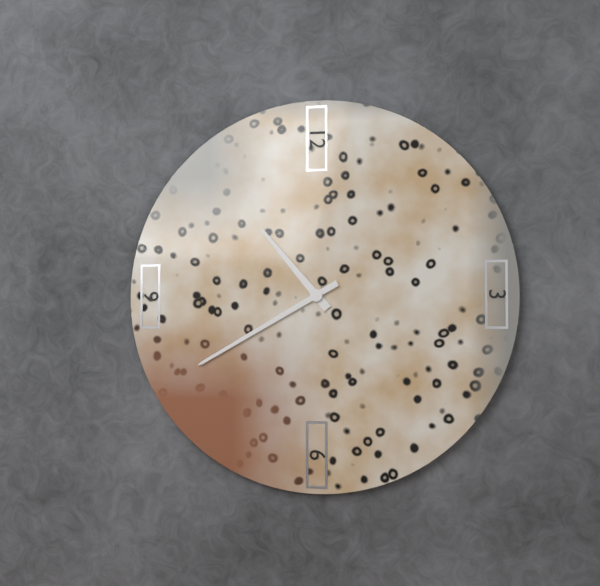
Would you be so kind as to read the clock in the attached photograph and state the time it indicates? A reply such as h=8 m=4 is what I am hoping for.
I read h=10 m=40
